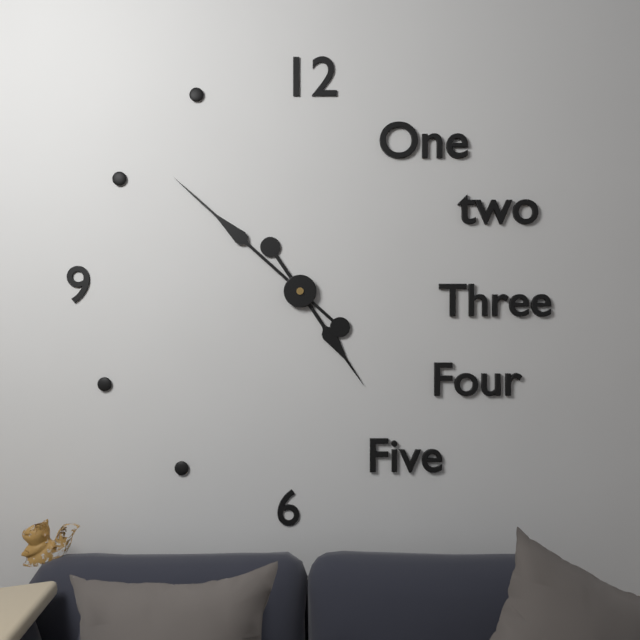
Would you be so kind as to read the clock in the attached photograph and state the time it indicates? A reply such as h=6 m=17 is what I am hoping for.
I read h=4 m=52
